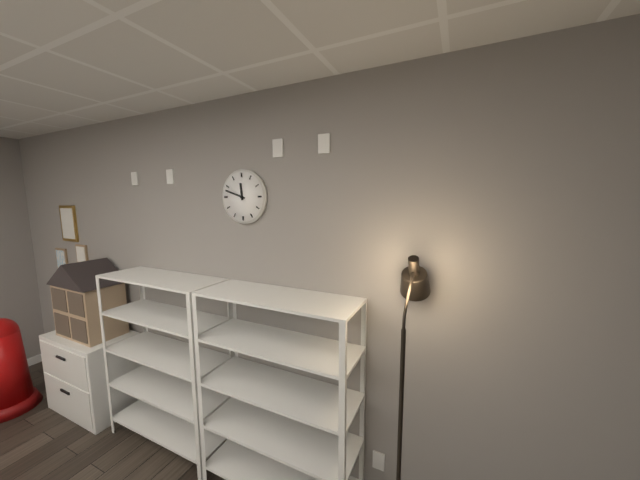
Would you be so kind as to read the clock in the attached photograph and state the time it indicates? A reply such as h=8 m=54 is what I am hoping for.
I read h=11 m=48
